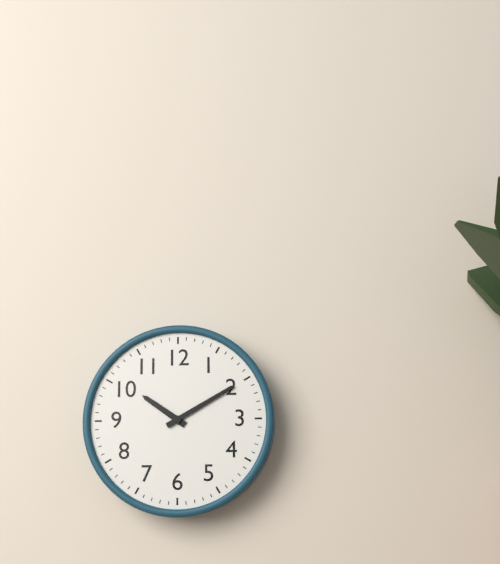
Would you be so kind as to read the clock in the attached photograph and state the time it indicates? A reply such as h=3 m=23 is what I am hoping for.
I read h=10 m=10
